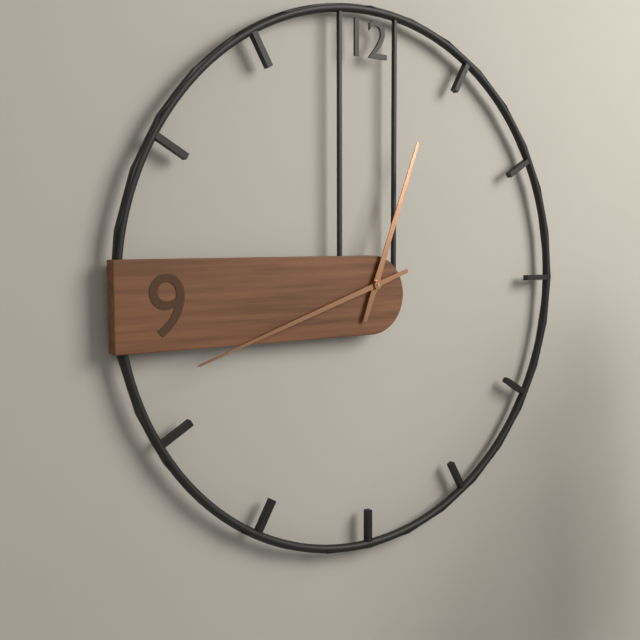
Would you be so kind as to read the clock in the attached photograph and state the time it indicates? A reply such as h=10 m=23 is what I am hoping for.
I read h=12 m=42
